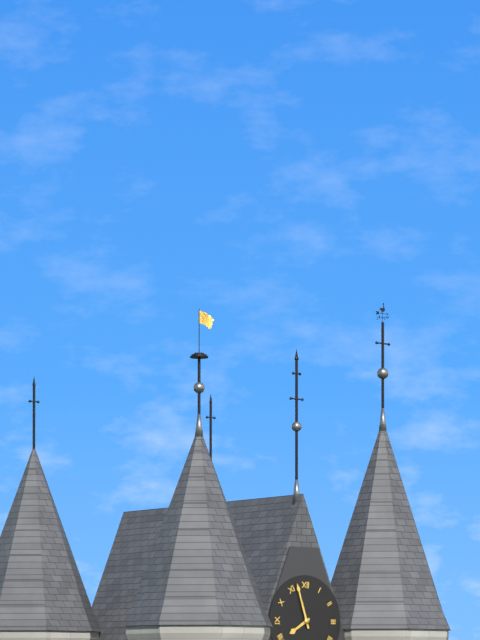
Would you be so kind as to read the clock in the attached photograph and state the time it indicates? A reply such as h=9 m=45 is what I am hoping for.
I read h=7 m=57
